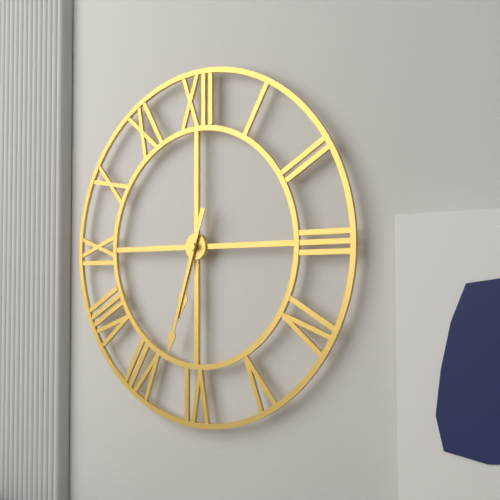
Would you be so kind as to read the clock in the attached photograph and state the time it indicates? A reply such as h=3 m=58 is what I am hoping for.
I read h=6 m=33
